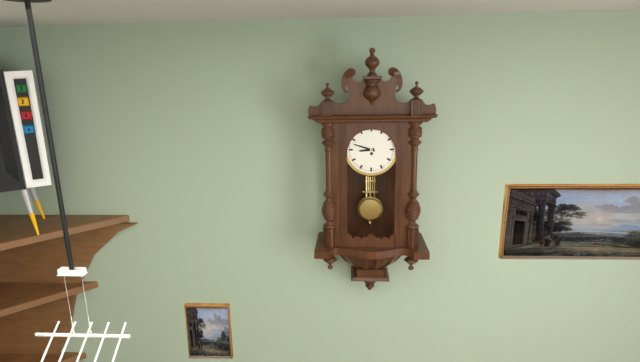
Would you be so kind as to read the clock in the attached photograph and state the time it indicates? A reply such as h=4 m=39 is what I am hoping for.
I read h=8 m=48
